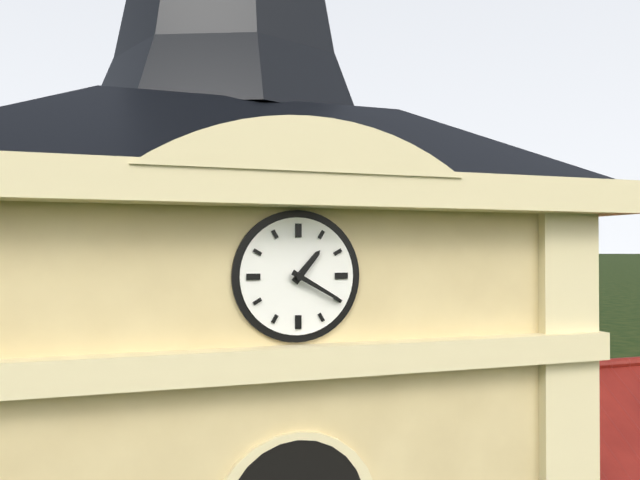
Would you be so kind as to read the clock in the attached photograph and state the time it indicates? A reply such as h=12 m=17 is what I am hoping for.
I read h=1 m=20
